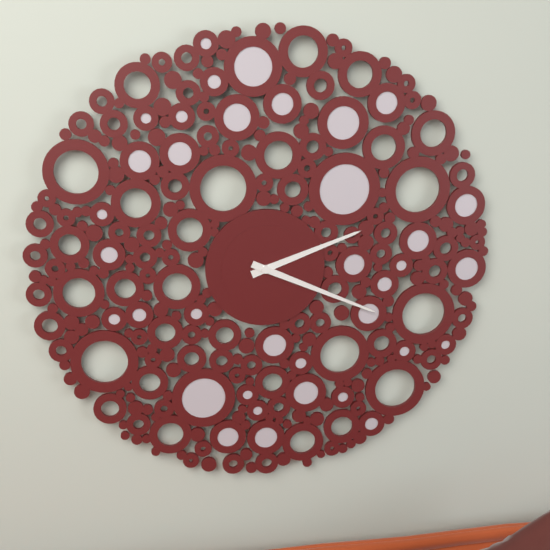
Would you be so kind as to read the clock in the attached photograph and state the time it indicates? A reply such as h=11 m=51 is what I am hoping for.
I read h=2 m=19
